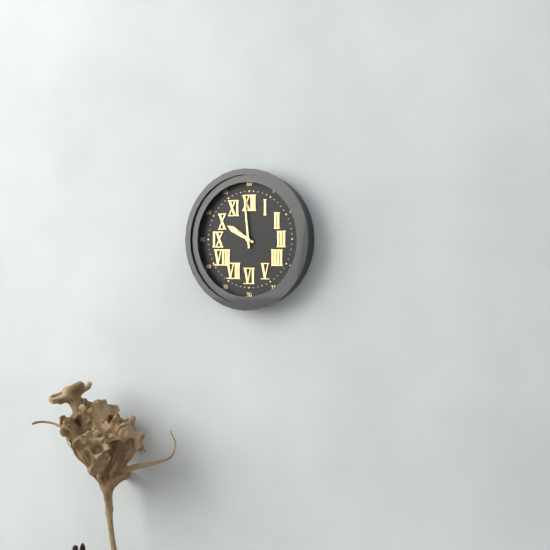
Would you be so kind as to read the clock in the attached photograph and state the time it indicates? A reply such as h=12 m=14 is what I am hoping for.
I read h=9 m=59
